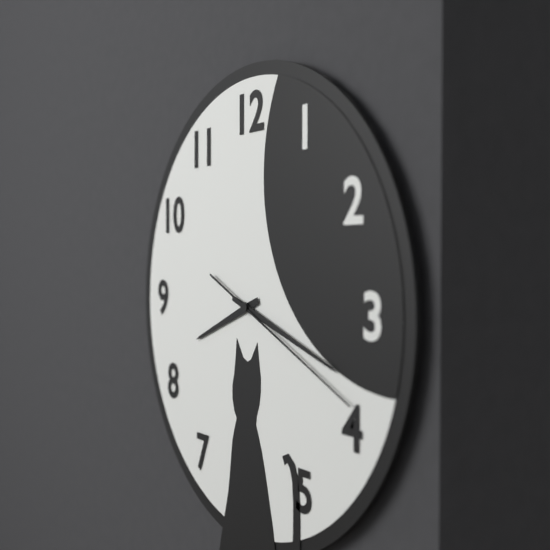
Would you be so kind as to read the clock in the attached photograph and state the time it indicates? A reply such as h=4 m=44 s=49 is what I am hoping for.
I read h=8 m=18 s=19
